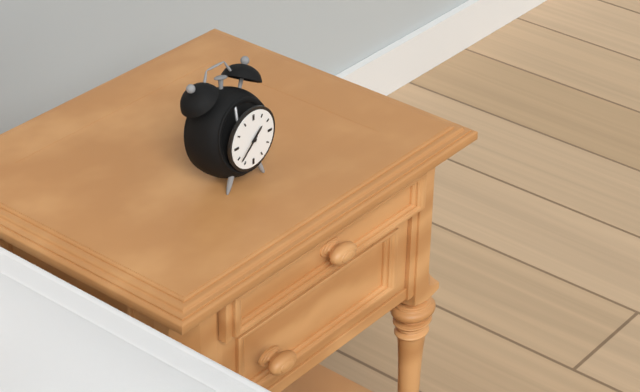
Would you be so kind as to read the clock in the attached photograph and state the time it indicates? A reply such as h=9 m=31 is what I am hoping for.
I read h=1 m=38
